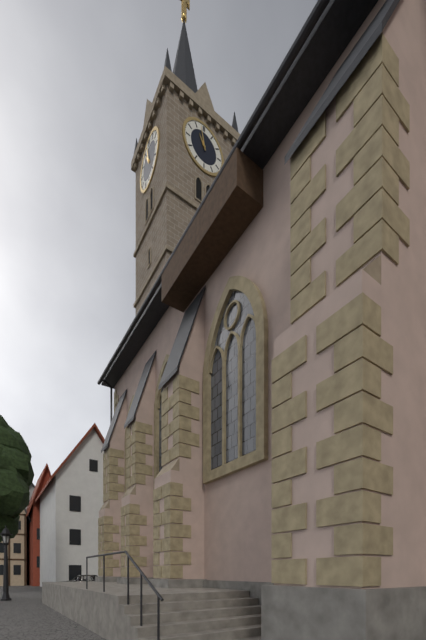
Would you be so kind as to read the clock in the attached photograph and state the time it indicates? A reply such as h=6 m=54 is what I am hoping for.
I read h=10 m=58
